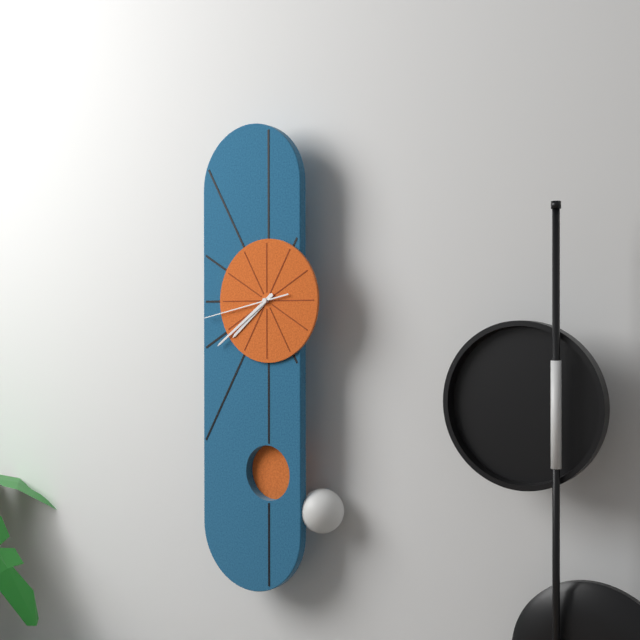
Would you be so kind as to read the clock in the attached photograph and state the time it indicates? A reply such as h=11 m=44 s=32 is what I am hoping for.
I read h=7 m=39 s=43
